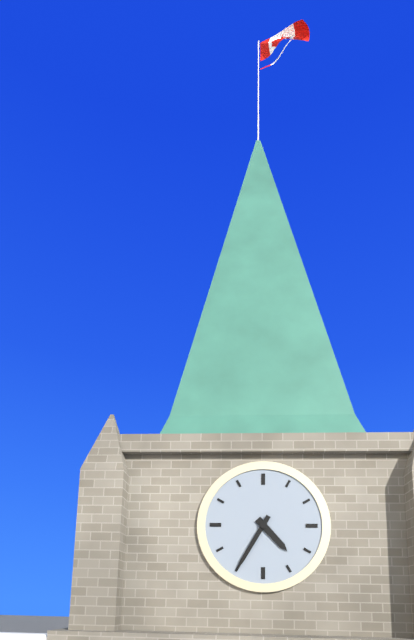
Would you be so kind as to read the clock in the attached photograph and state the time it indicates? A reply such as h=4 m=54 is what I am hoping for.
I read h=4 m=35
